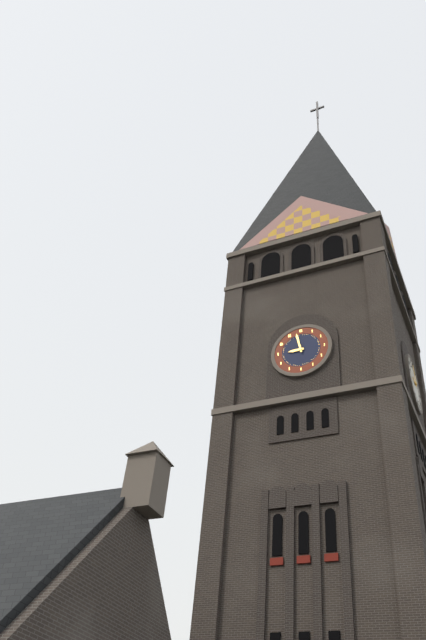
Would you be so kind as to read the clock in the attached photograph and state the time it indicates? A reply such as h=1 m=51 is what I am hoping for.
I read h=8 m=58
